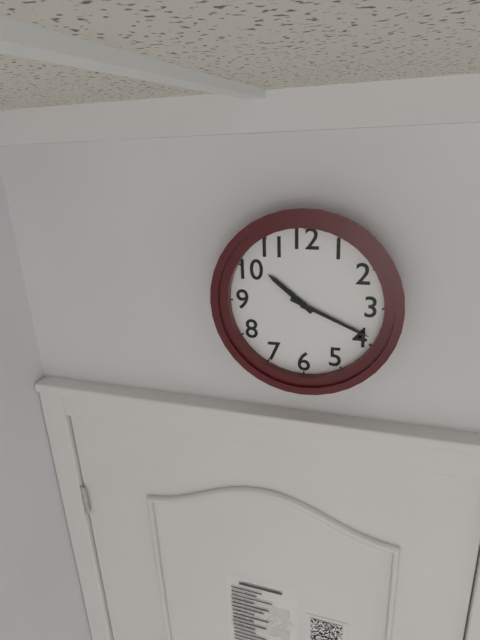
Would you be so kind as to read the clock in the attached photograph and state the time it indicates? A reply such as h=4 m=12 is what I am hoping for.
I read h=10 m=19
